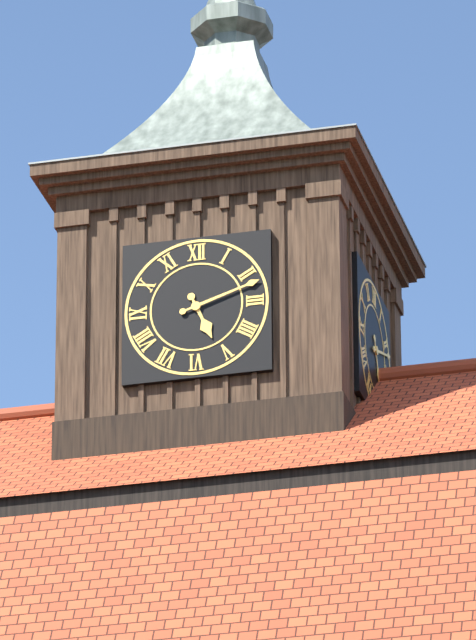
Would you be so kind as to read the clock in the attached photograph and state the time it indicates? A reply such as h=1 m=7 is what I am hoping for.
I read h=5 m=12
